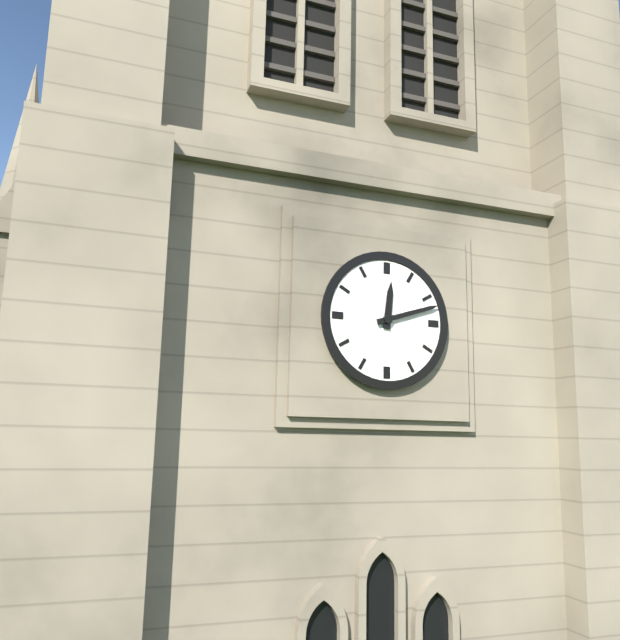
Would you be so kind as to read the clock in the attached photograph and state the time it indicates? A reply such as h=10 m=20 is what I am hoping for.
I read h=12 m=12
